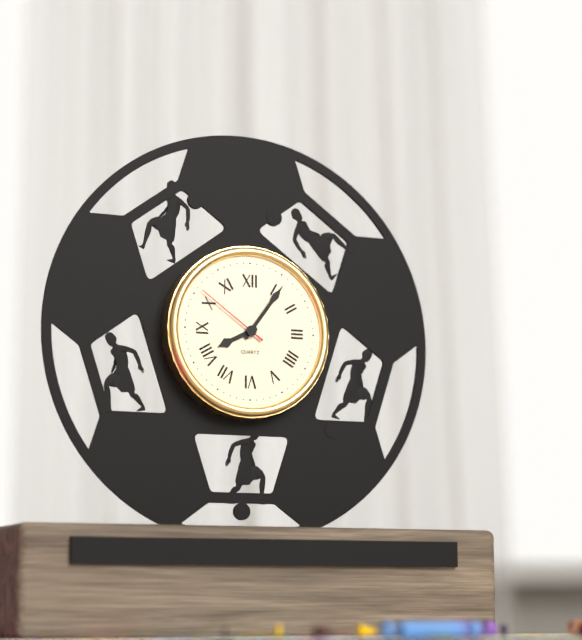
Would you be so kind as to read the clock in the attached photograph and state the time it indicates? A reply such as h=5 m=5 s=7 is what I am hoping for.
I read h=8 m=6 s=51
